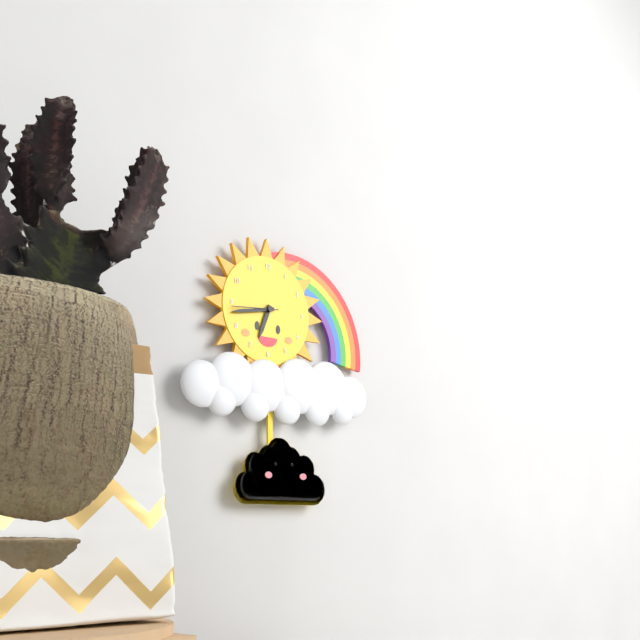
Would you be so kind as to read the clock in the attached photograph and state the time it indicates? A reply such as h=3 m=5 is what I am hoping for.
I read h=6 m=43
